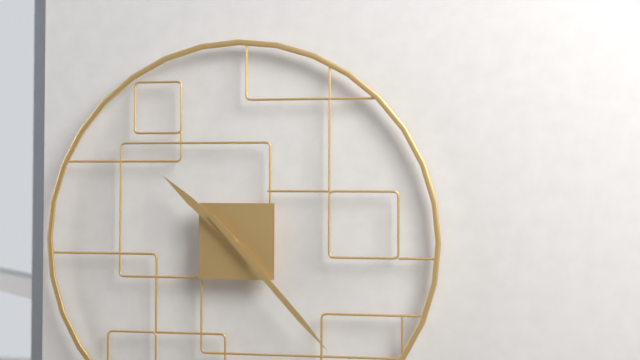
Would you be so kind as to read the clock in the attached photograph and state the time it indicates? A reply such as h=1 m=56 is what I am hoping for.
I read h=10 m=23
